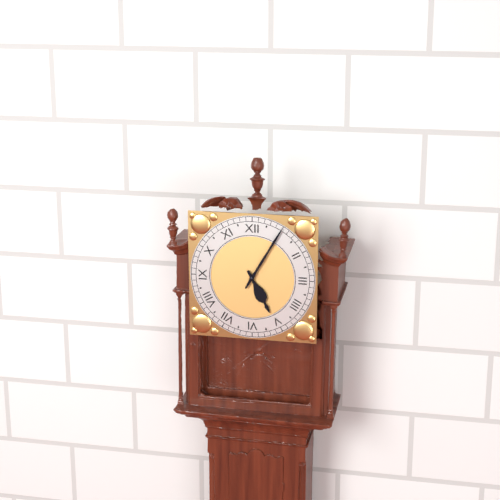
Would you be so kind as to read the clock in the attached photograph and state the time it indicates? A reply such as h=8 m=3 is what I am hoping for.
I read h=5 m=5
